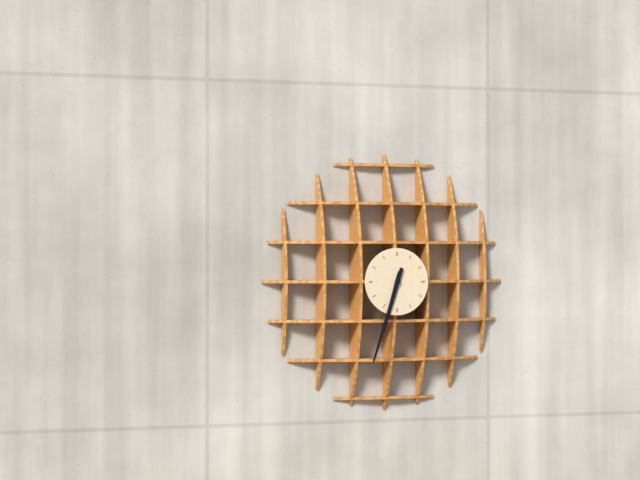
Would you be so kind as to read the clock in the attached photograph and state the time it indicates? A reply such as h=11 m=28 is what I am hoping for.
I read h=6 m=33
